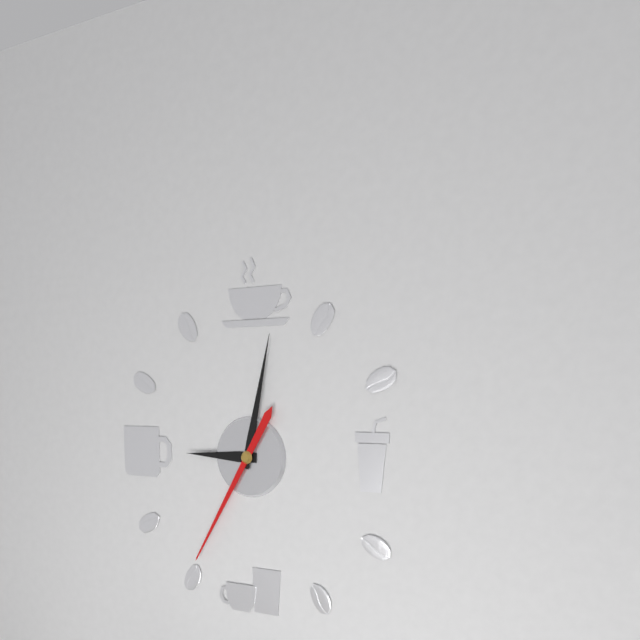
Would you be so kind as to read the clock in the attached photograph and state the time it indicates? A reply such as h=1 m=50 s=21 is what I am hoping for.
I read h=9 m=2 s=35
